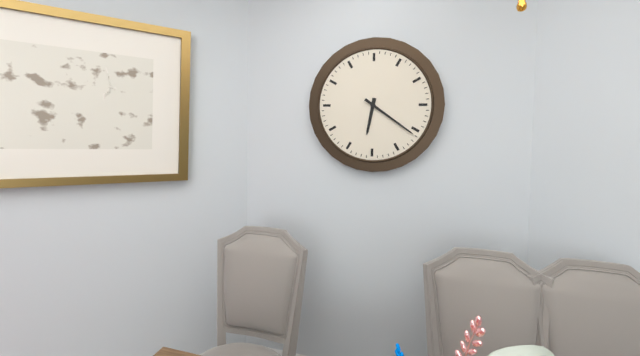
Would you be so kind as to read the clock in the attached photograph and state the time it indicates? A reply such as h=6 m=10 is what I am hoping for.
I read h=6 m=21
